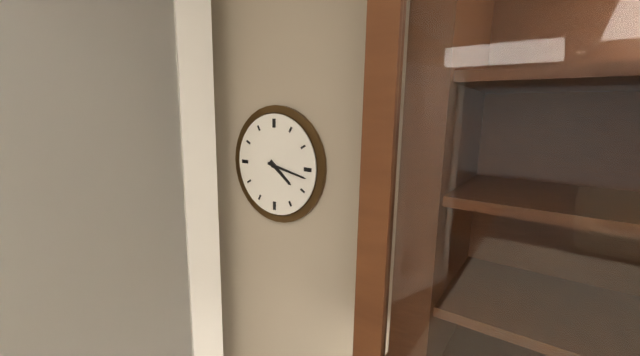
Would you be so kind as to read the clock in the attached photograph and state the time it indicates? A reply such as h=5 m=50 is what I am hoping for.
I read h=4 m=17
